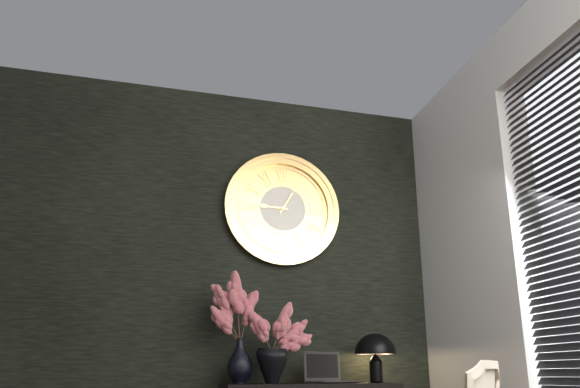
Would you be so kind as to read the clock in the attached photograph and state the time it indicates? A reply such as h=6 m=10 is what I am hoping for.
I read h=9 m=5
